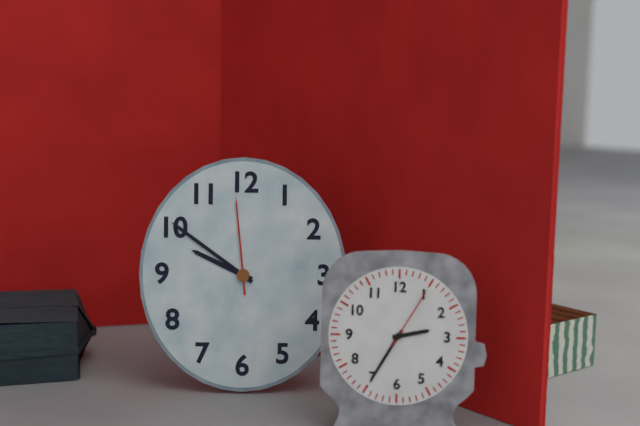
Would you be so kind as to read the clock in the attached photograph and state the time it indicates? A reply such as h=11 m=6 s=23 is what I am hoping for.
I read h=9 m=51 s=59
